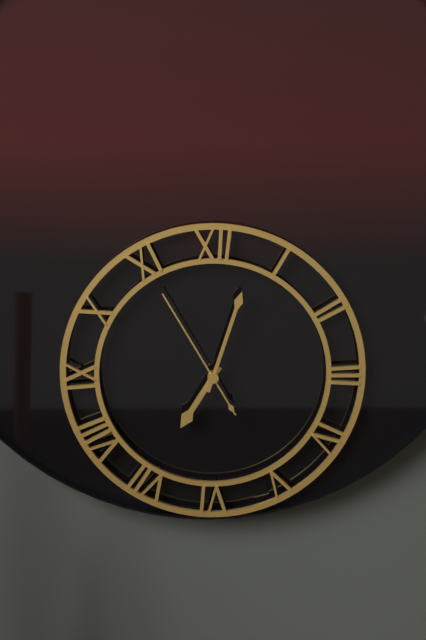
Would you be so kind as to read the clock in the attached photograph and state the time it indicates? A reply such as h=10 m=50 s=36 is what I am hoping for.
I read h=7 m=3 s=55
